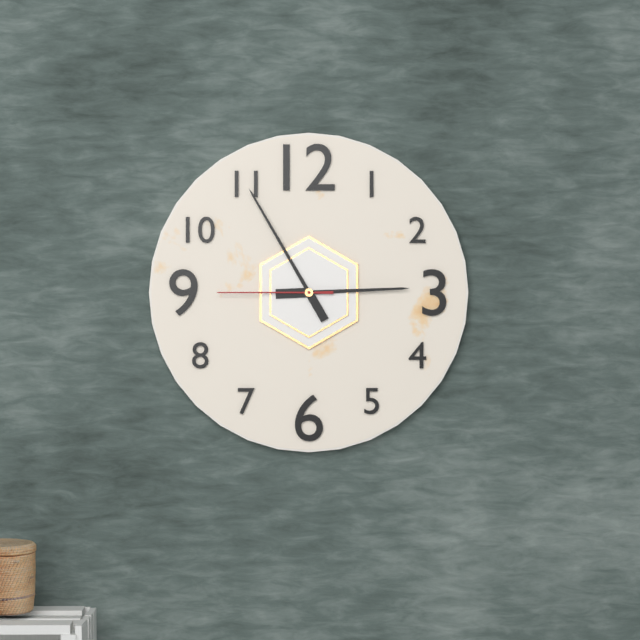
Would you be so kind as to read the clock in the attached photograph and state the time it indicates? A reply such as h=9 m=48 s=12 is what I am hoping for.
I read h=2 m=55 s=45
